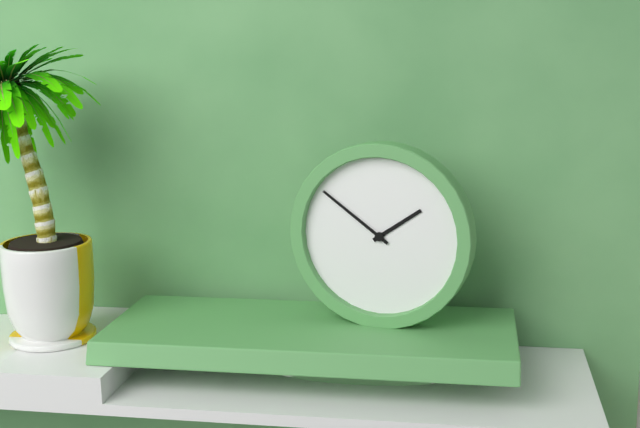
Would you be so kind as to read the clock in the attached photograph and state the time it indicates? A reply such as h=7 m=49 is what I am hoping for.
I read h=1 m=51
